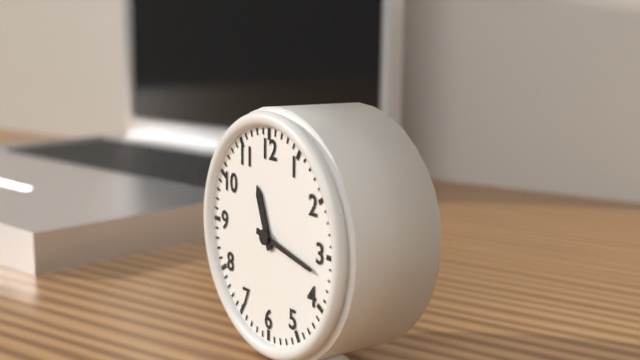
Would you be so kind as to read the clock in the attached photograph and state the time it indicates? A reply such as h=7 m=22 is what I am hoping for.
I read h=11 m=17
